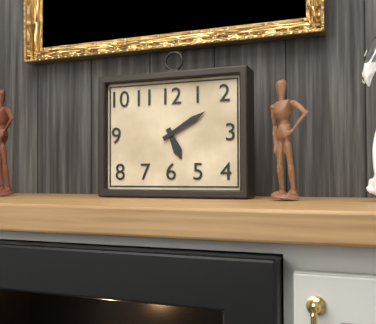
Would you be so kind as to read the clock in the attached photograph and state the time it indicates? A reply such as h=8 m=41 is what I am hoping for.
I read h=5 m=10
